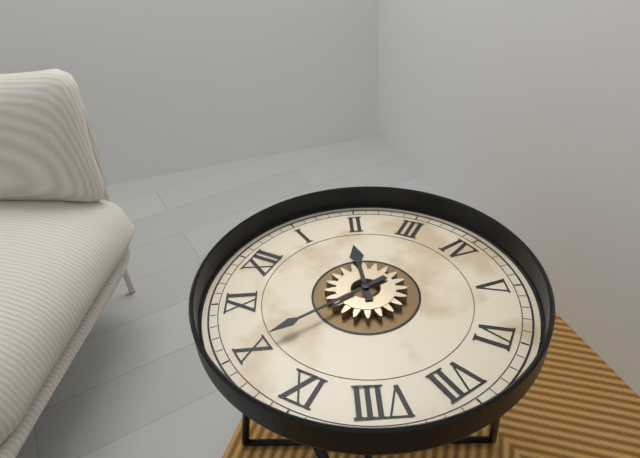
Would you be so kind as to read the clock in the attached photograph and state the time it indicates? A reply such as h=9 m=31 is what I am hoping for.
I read h=1 m=50
